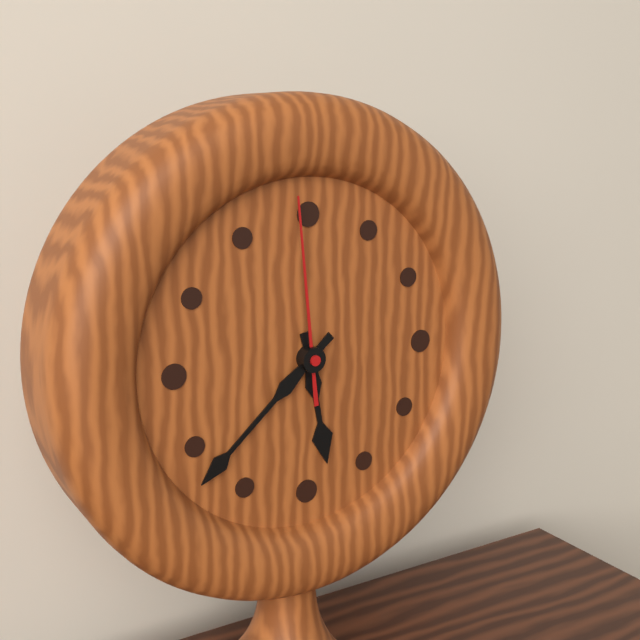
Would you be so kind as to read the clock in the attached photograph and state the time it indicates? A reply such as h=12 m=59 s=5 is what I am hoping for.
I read h=5 m=38 s=59
